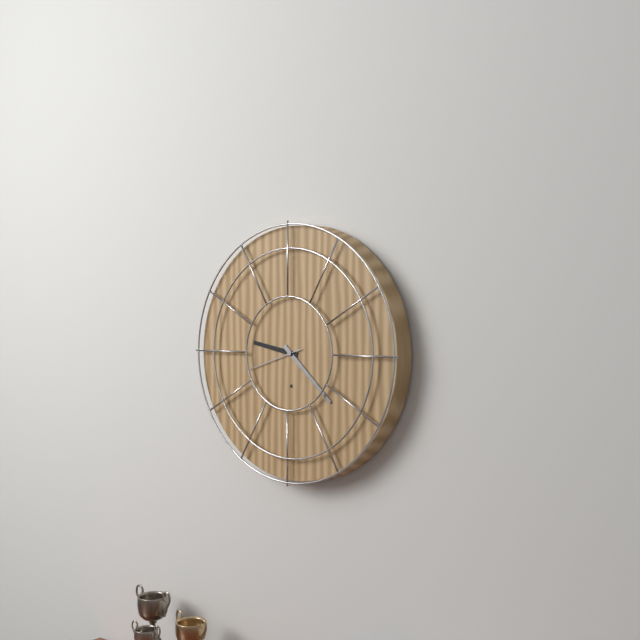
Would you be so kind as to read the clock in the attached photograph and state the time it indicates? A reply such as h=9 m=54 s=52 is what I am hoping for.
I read h=9 m=22 s=42
